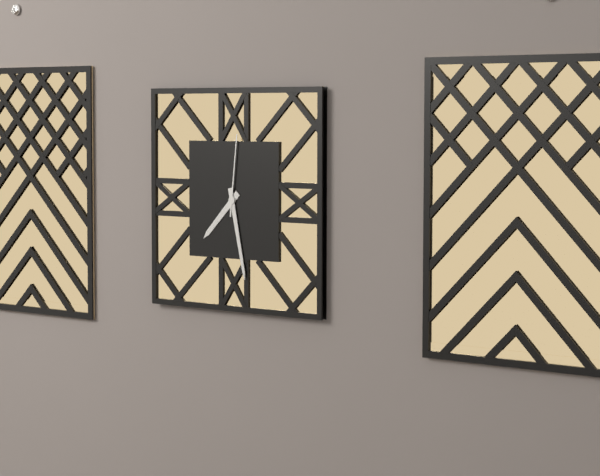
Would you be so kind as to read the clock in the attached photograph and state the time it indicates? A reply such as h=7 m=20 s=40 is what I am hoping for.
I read h=7 m=28 s=1
